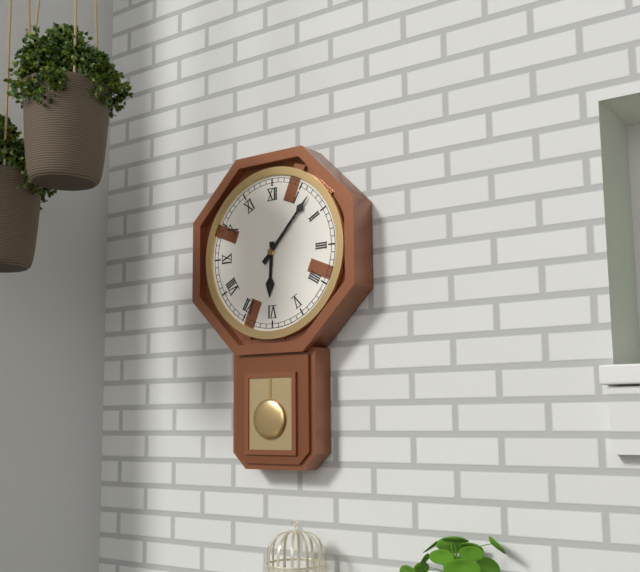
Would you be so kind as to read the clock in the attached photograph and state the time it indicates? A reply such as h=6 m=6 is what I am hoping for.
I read h=6 m=7
